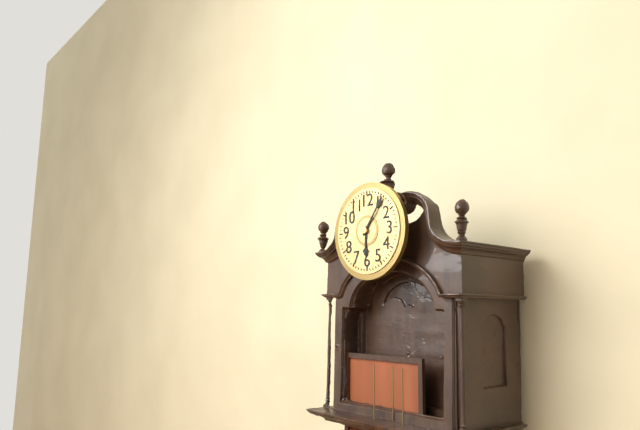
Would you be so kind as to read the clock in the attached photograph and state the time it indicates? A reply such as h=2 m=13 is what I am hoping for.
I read h=6 m=6
